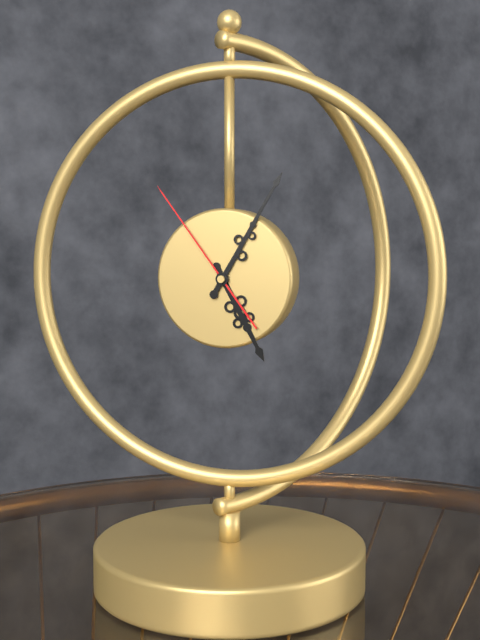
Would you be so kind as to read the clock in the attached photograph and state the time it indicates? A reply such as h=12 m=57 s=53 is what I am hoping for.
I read h=5 m=5 s=54
